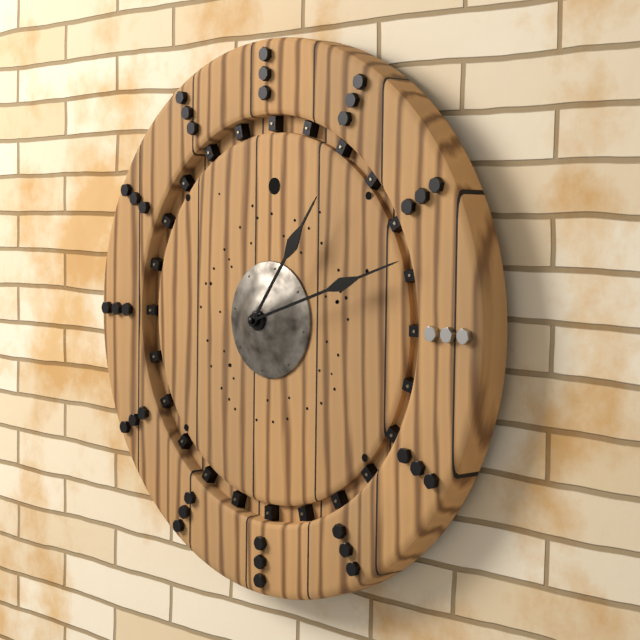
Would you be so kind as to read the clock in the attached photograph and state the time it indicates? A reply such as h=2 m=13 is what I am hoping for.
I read h=1 m=12
